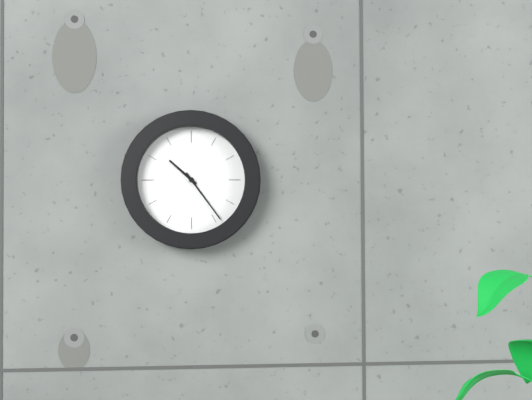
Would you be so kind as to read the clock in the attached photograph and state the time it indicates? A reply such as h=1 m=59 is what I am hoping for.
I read h=10 m=24
